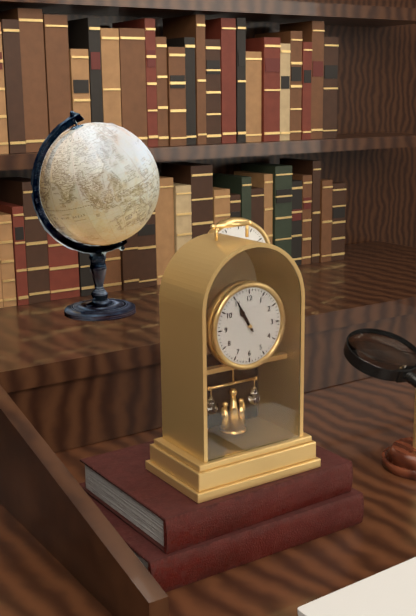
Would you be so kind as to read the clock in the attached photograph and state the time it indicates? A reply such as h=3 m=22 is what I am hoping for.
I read h=10 m=55
